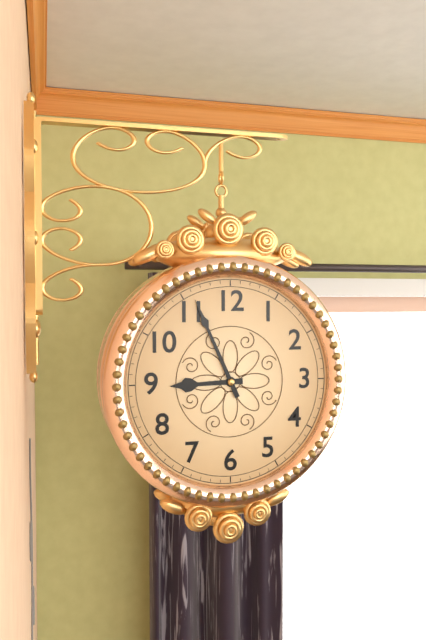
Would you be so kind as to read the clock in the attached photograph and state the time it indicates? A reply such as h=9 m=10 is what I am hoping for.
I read h=8 m=56
